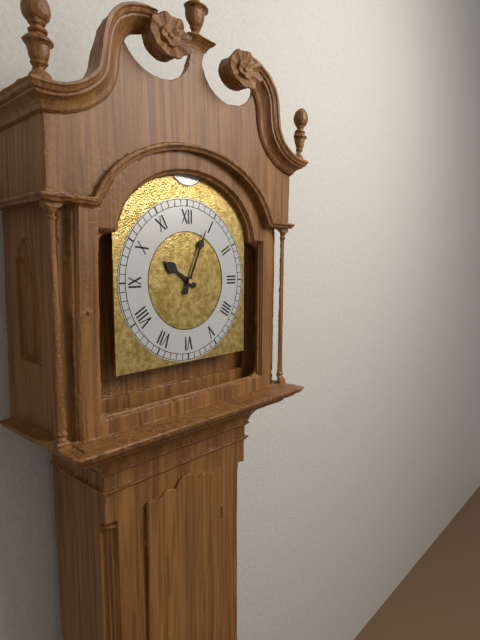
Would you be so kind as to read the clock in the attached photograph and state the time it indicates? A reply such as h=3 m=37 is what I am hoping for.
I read h=10 m=4
